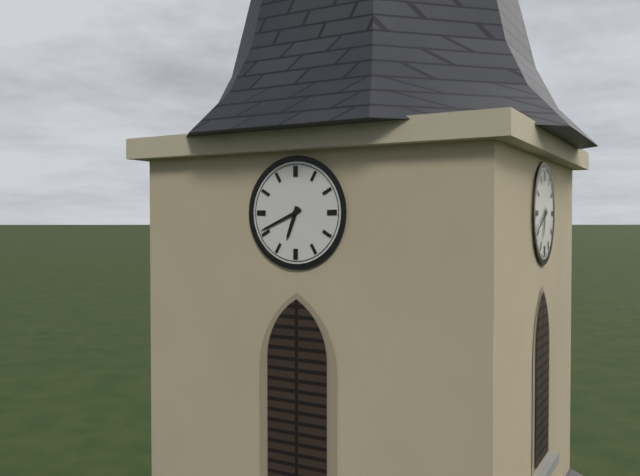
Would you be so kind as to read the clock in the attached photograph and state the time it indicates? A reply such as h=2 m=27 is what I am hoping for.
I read h=6 m=41
